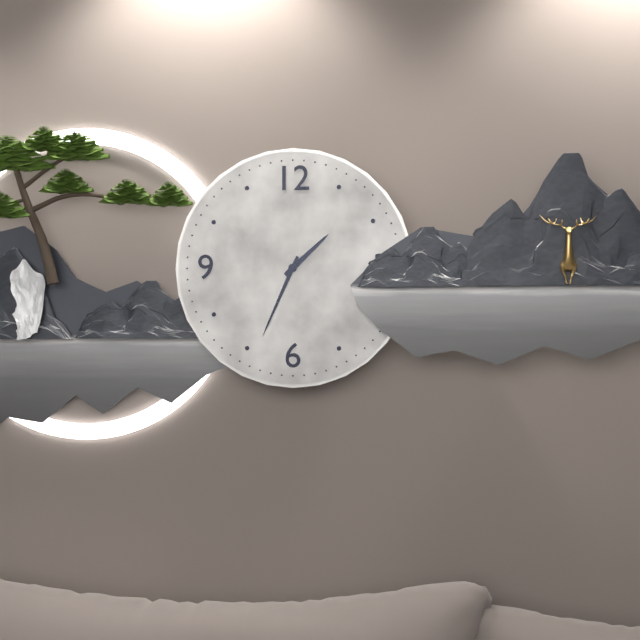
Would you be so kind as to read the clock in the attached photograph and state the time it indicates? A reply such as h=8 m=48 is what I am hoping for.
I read h=1 m=34
